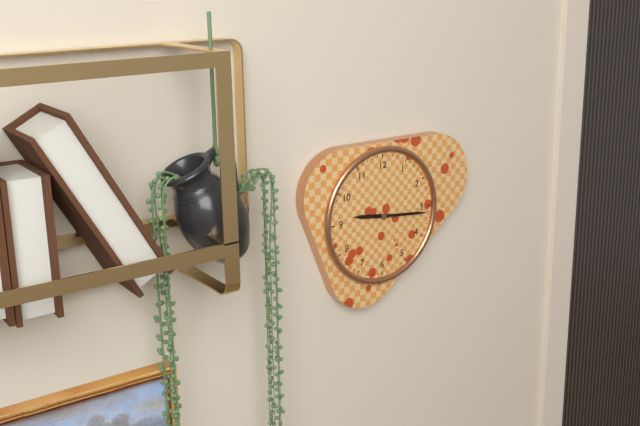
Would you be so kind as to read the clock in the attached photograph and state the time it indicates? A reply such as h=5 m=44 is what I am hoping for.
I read h=9 m=16
